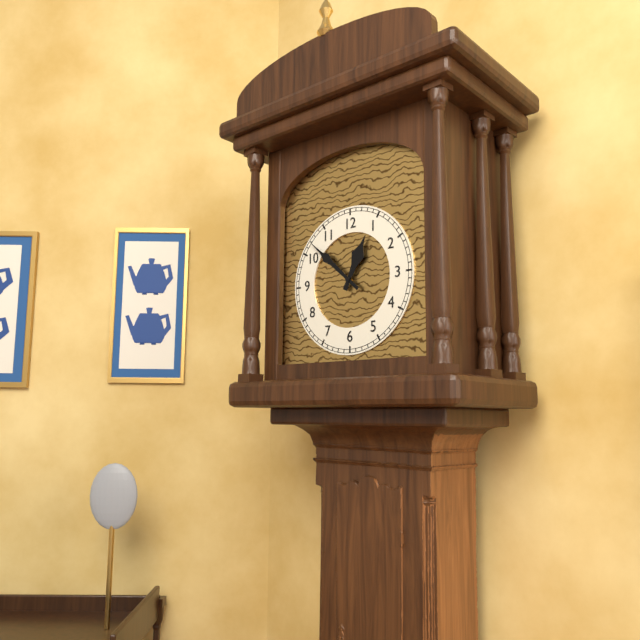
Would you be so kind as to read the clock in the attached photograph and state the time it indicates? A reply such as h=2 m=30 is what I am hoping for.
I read h=12 m=52
